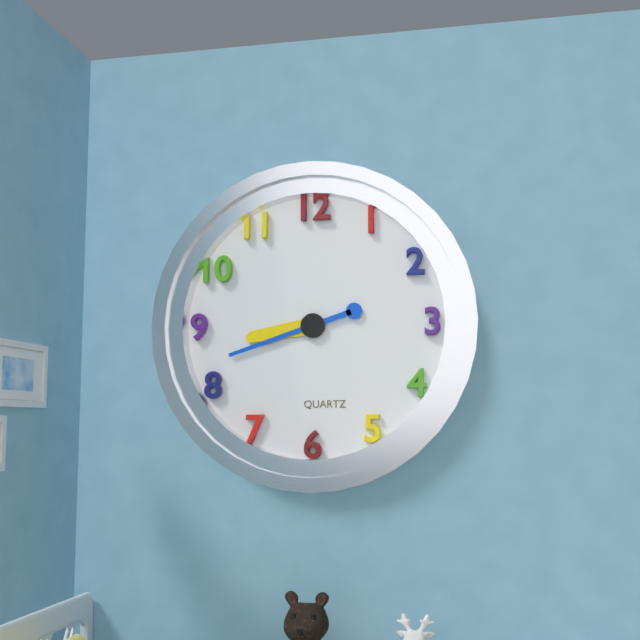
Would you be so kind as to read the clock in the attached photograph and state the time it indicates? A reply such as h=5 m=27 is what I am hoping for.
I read h=8 m=42
